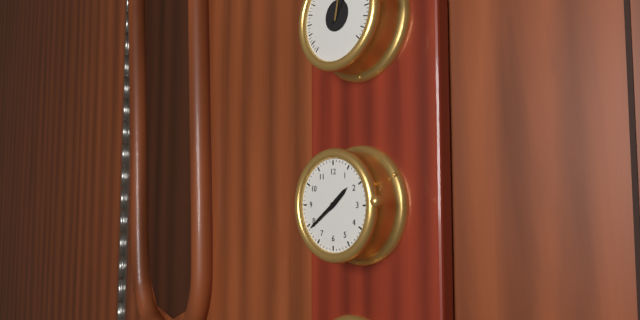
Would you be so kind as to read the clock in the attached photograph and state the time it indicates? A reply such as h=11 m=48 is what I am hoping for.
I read h=1 m=39
